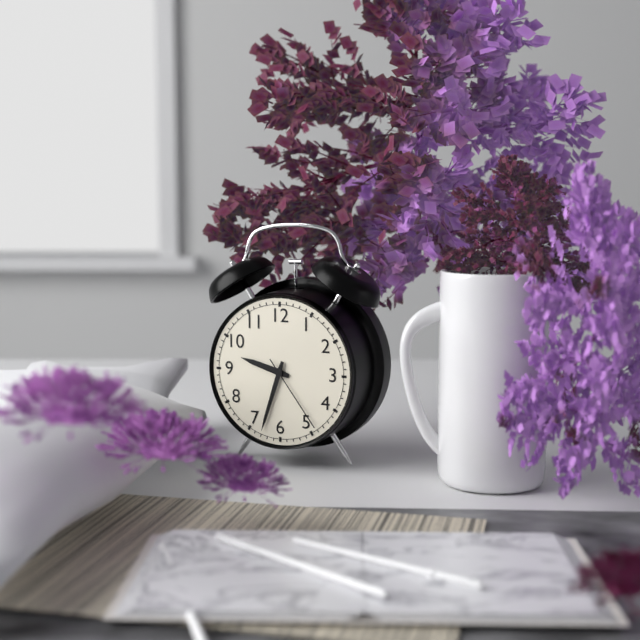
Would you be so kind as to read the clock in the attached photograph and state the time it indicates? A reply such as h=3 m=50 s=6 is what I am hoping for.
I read h=9 m=33 s=24
